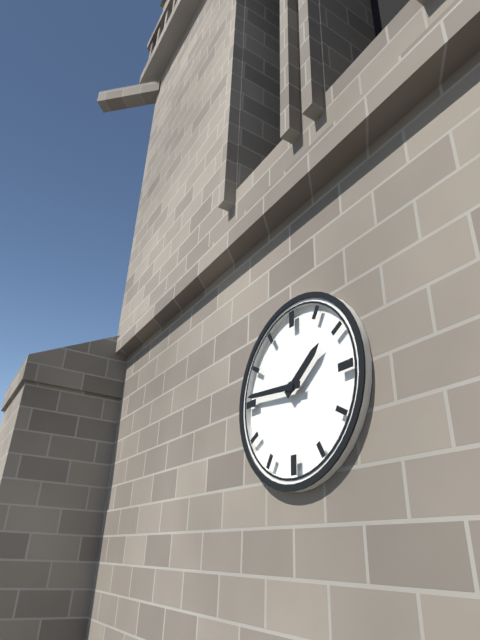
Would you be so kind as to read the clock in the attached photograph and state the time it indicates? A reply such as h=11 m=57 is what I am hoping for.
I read h=1 m=46
